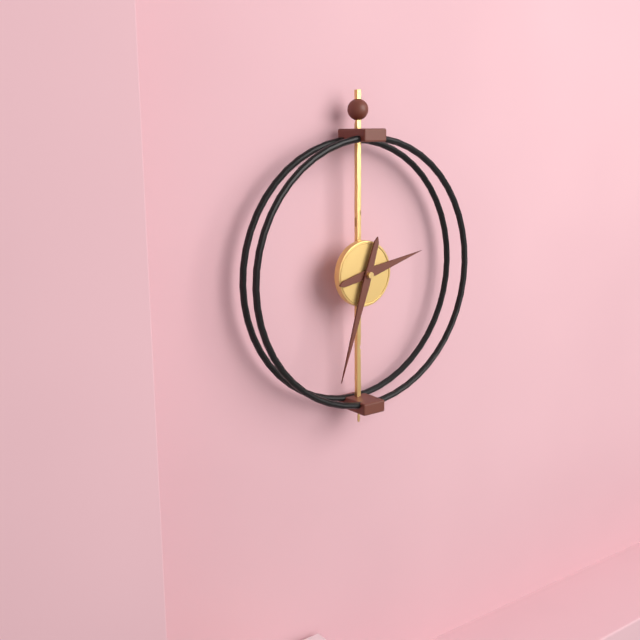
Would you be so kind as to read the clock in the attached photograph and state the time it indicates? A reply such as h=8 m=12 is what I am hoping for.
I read h=2 m=33
